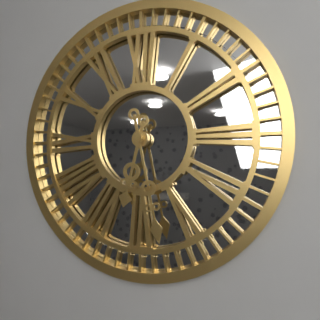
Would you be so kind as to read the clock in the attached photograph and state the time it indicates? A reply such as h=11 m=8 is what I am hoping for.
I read h=6 m=28
